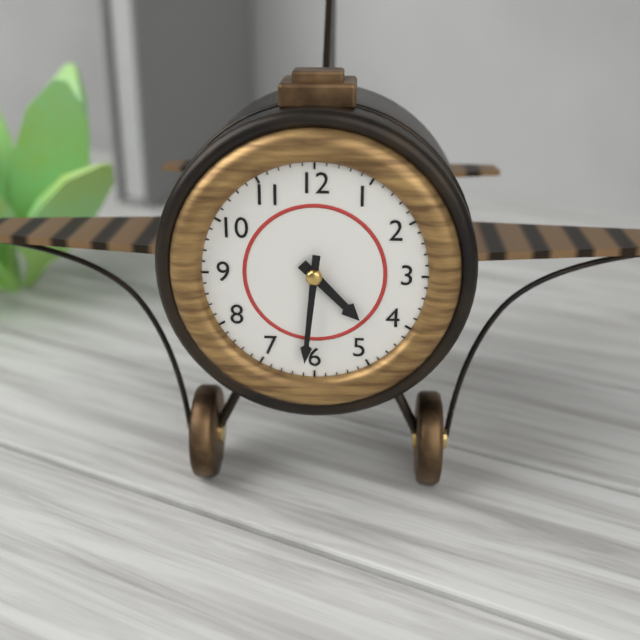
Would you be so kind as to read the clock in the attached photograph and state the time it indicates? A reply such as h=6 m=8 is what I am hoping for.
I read h=4 m=31
